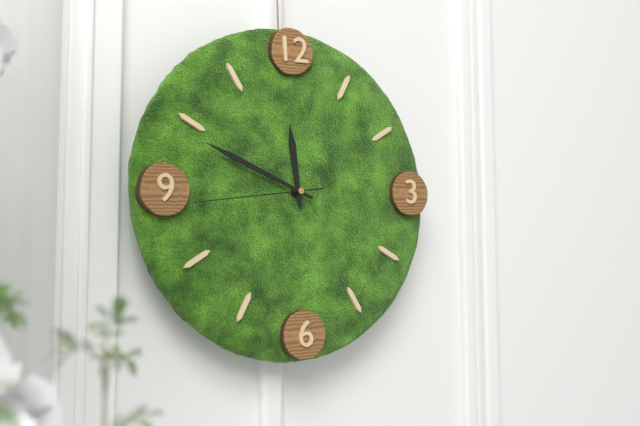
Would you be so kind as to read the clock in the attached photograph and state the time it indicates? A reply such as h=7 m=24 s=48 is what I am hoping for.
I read h=11 m=49 s=44
